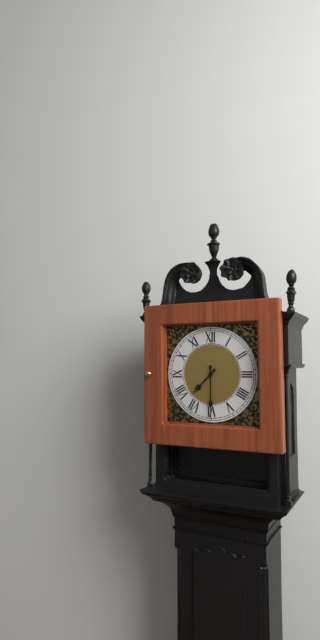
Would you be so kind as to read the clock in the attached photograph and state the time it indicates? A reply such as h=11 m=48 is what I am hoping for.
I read h=7 m=30
